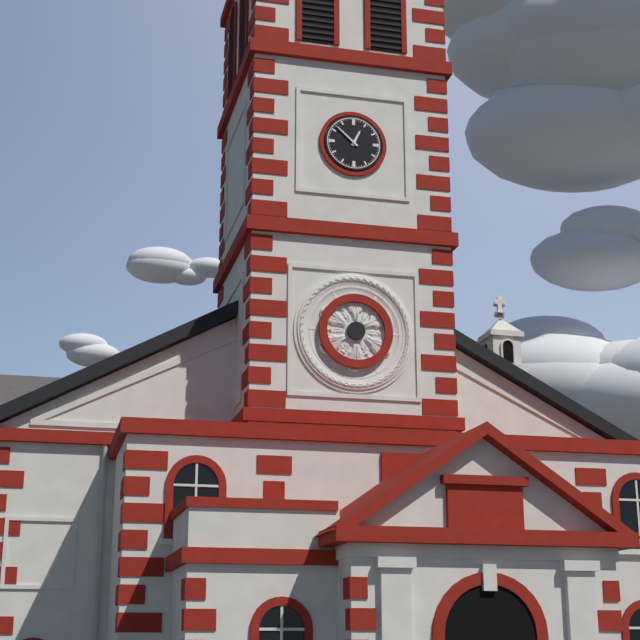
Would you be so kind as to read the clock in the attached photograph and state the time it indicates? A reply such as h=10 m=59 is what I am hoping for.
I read h=12 m=52
